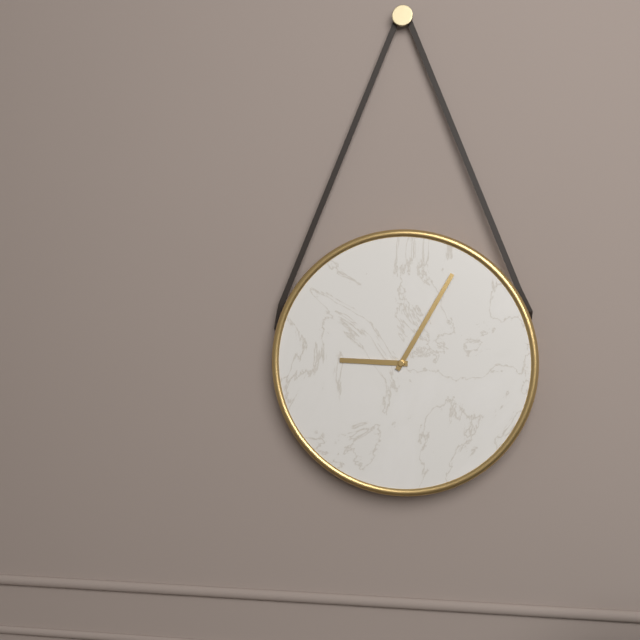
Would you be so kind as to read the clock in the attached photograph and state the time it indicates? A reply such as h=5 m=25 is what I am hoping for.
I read h=9 m=5
